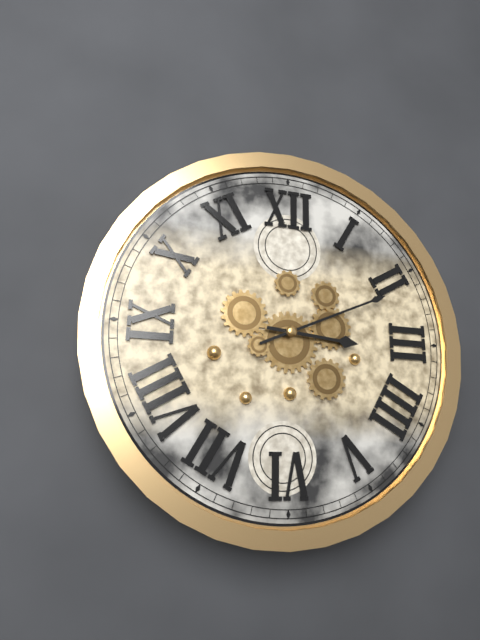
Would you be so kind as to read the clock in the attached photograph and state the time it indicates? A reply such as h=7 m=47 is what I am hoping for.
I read h=3 m=11
